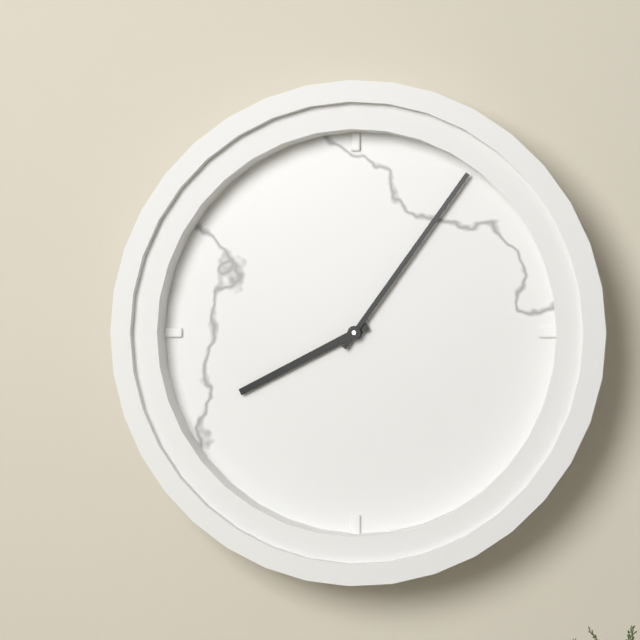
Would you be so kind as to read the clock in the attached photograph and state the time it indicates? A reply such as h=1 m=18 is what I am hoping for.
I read h=8 m=6
